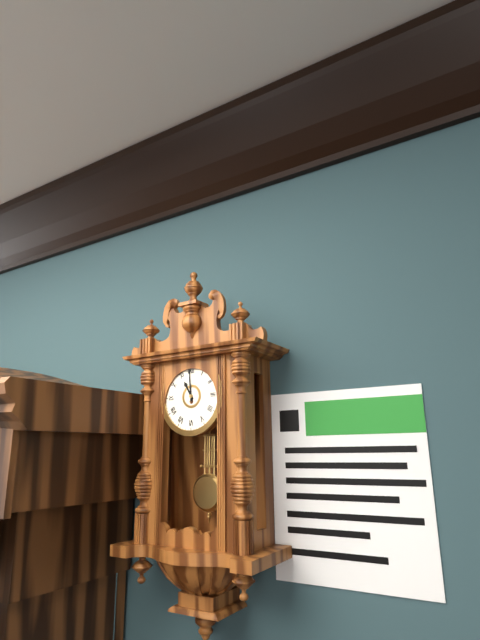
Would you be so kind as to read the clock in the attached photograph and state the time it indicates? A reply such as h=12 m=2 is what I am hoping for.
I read h=10 m=59
